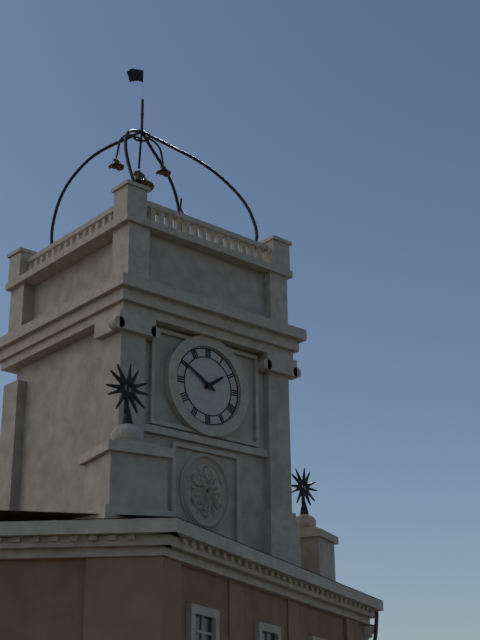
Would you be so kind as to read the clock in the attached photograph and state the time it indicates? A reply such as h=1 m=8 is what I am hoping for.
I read h=1 m=50
